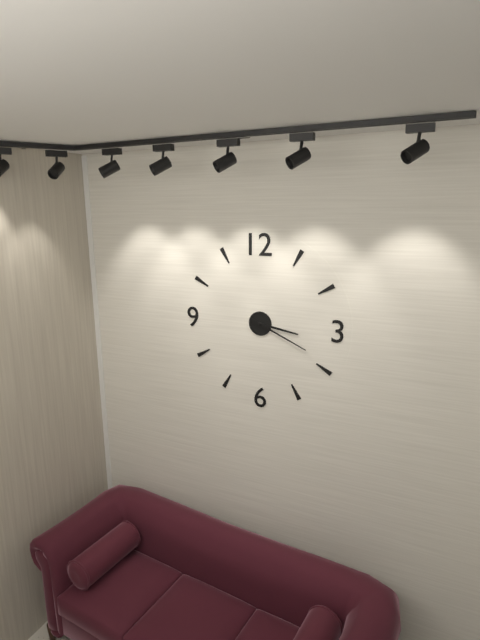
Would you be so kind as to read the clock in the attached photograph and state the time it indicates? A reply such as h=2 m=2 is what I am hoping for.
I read h=3 m=19
